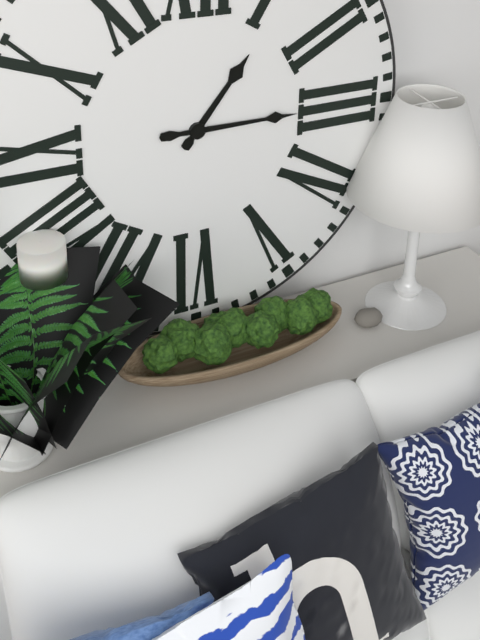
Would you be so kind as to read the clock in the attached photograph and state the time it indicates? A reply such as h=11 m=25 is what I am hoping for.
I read h=1 m=15
